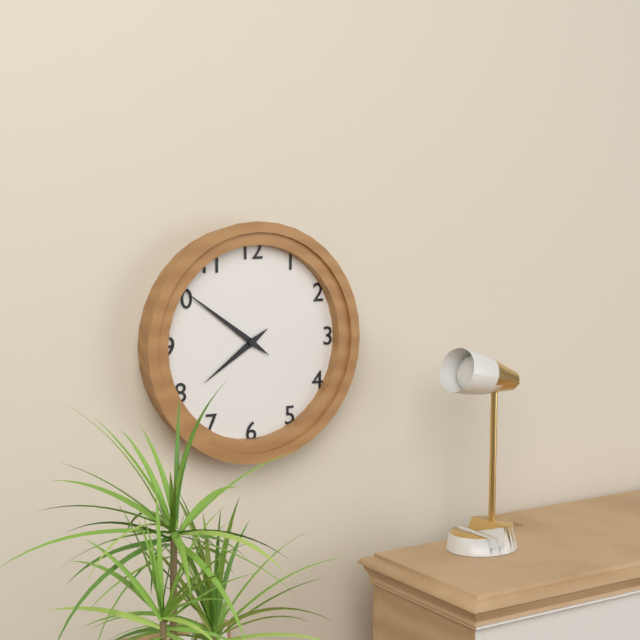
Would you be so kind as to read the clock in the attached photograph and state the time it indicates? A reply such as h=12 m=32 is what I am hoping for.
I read h=7 m=51
